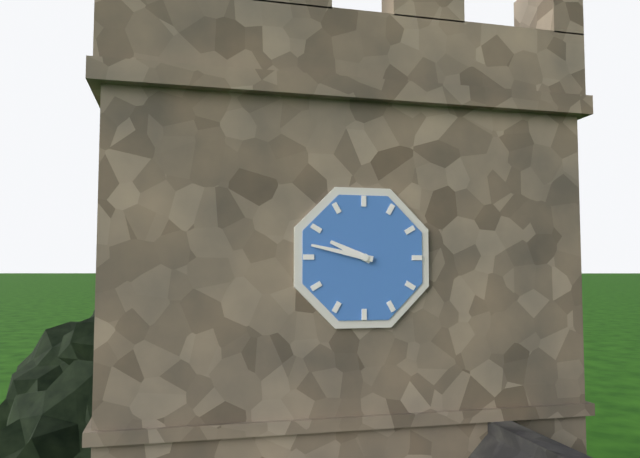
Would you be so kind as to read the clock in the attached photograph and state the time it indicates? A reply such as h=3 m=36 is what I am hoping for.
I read h=9 m=47
